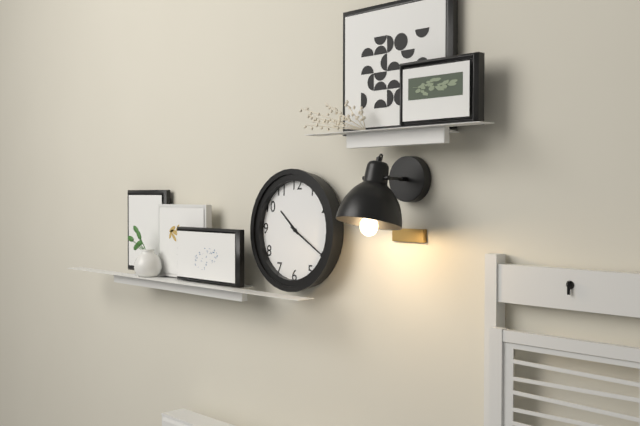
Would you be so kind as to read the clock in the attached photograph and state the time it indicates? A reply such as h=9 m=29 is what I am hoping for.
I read h=10 m=20
